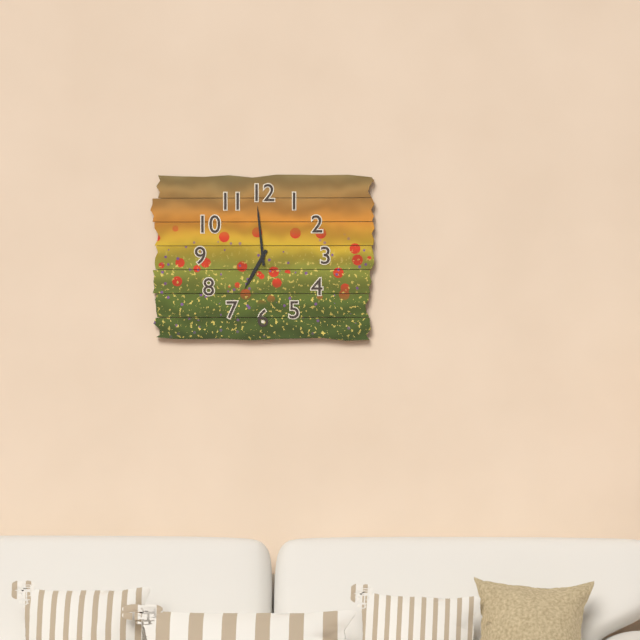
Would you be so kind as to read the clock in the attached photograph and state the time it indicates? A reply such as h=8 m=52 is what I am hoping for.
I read h=6 m=59
